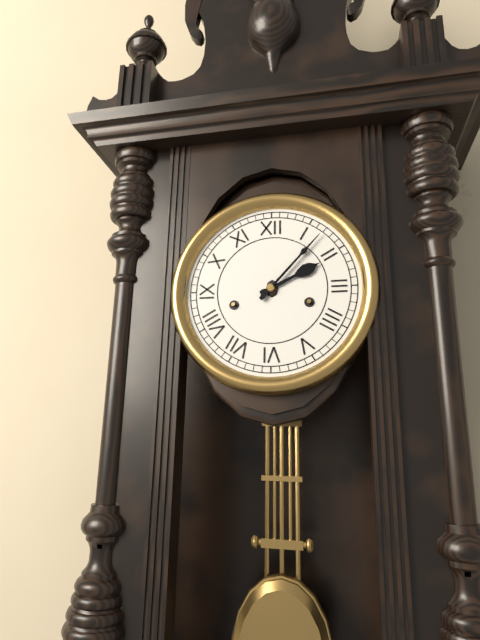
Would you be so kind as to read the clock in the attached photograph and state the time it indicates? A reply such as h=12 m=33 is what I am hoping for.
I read h=2 m=7
